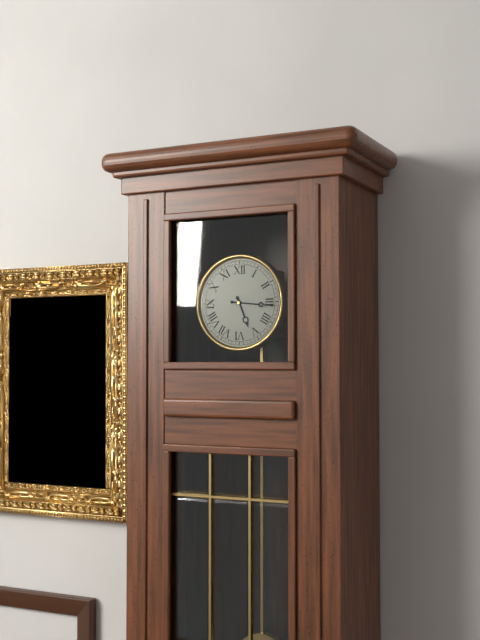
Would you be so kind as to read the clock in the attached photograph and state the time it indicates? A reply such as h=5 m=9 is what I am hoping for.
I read h=5 m=16
